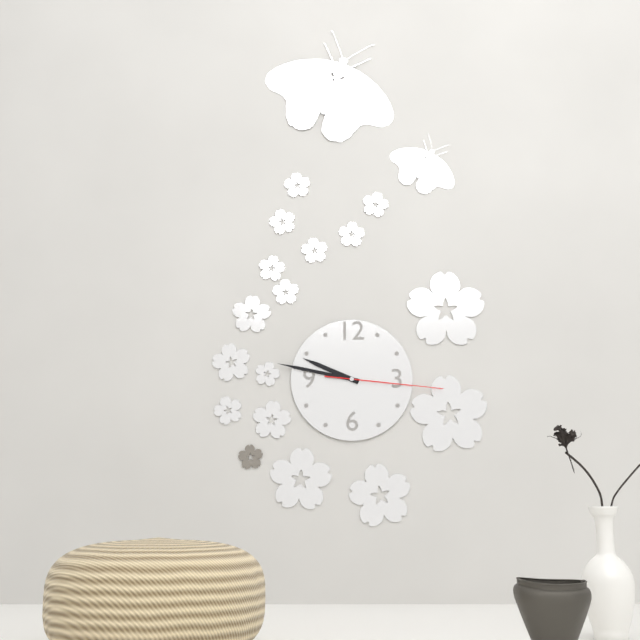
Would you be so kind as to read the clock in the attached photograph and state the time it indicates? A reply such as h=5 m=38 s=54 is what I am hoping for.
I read h=9 m=47 s=16
